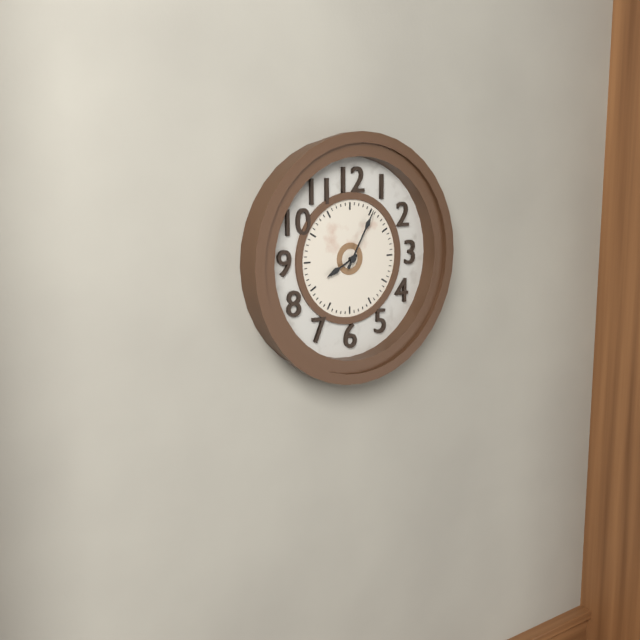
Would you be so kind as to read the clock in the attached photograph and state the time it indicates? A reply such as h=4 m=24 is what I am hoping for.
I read h=8 m=5
